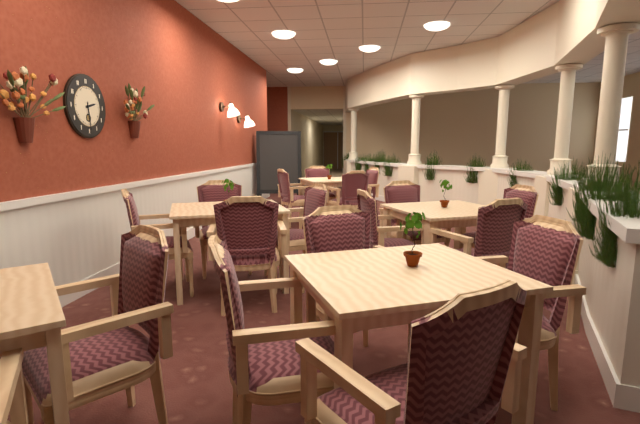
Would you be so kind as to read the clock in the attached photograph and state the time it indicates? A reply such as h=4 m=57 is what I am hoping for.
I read h=2 m=29
